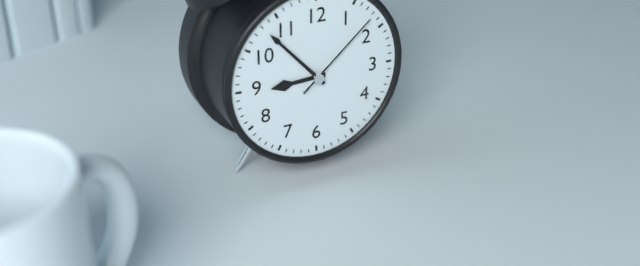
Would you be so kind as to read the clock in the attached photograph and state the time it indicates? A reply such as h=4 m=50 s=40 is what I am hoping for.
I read h=8 m=53 s=8
